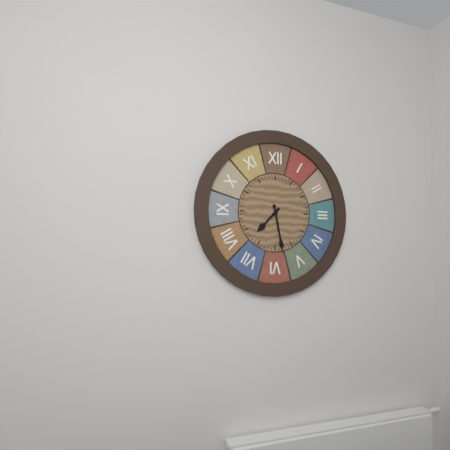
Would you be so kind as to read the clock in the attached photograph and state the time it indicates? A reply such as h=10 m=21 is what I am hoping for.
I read h=7 m=28
